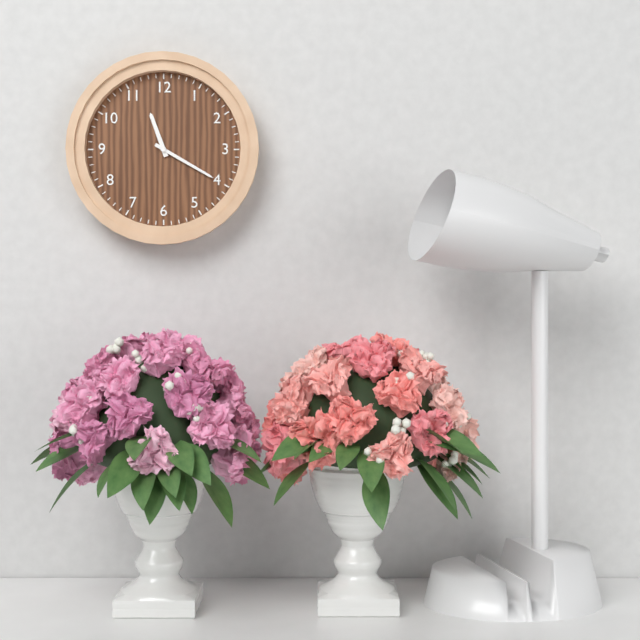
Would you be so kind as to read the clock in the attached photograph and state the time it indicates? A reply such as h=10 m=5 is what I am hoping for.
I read h=11 m=20
